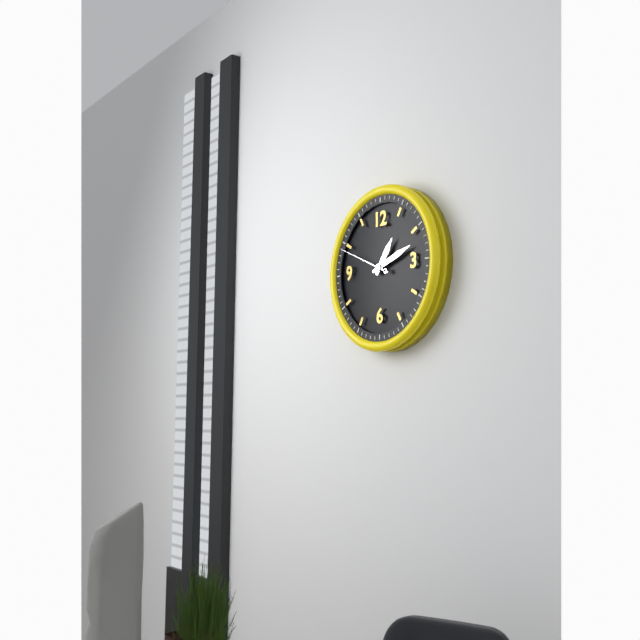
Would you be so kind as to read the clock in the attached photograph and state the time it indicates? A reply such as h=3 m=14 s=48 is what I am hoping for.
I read h=1 m=12 s=49
